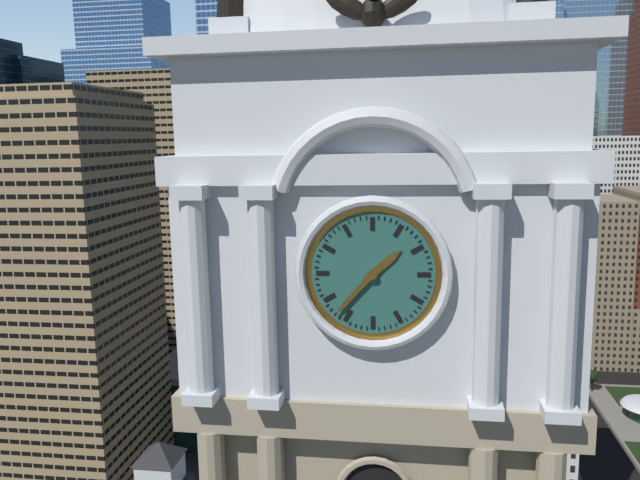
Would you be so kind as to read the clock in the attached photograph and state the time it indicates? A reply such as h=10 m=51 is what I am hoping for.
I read h=1 m=37
